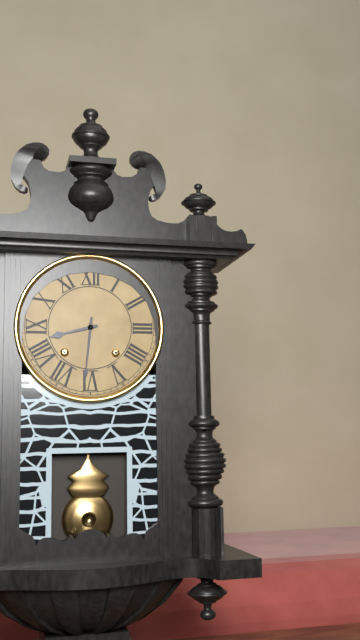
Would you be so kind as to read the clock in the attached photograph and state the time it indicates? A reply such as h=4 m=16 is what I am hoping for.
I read h=8 m=31
